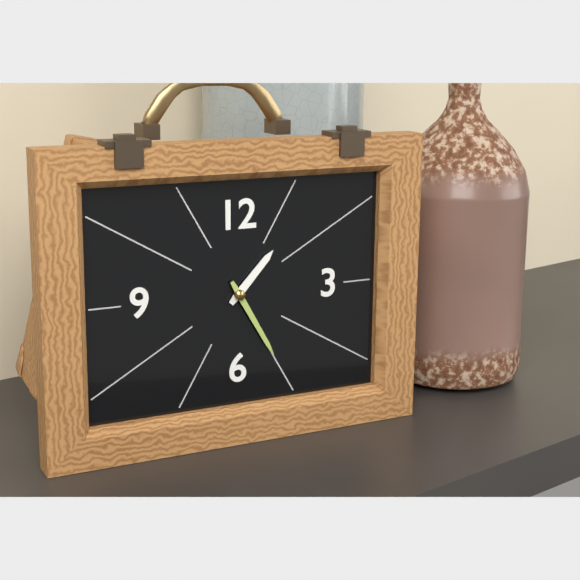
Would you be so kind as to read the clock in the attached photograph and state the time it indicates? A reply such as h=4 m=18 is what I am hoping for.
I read h=1 m=25
